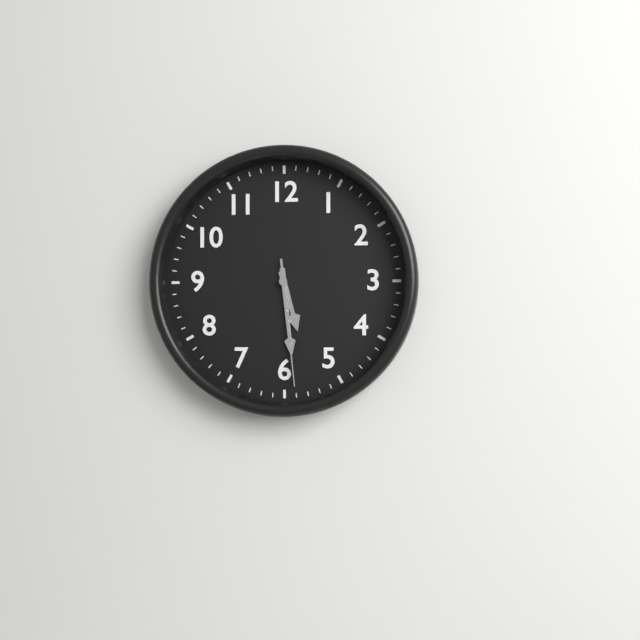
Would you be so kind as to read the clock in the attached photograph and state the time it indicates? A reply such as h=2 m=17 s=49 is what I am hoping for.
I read h=5 m=29 s=29
